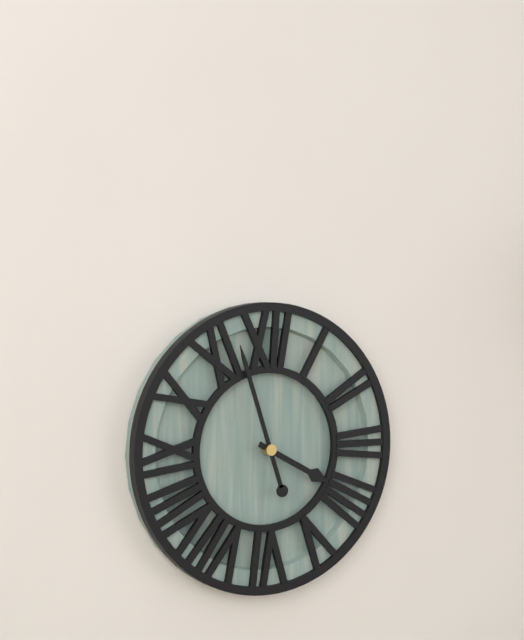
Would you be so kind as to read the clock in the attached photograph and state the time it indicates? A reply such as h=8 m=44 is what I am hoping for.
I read h=3 m=57
